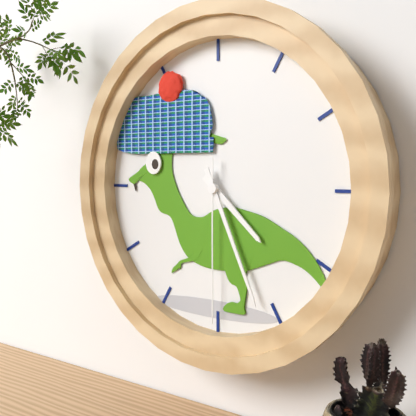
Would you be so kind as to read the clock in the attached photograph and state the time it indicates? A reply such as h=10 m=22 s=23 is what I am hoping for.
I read h=4 m=26 s=30
